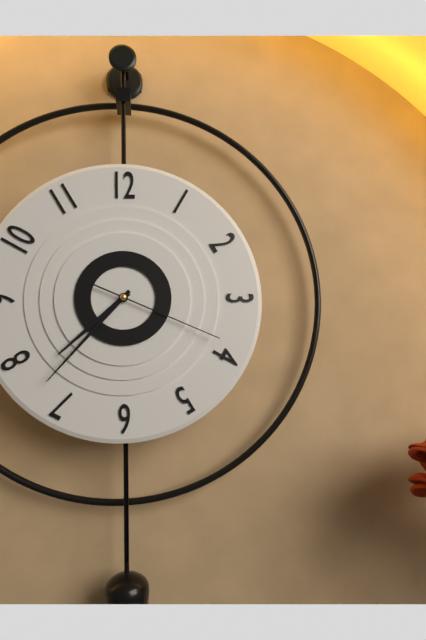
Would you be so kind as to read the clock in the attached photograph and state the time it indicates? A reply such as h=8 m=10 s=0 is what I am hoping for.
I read h=7 m=37 s=19
